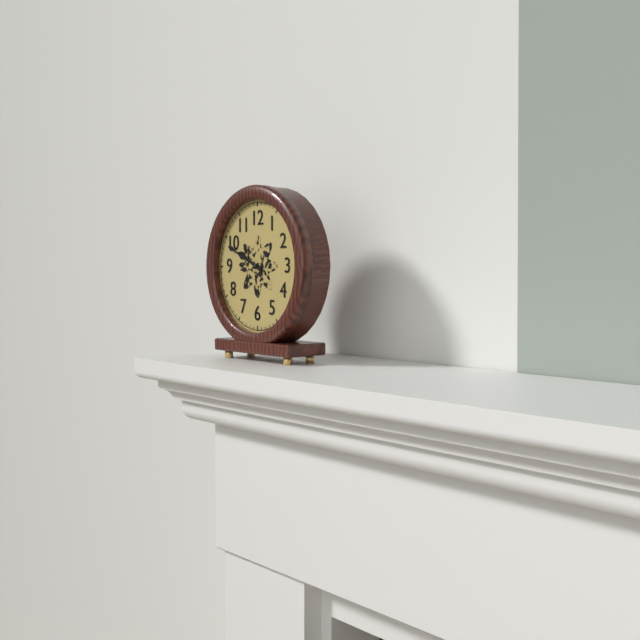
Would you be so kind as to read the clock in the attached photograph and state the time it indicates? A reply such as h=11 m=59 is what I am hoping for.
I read h=9 m=49
